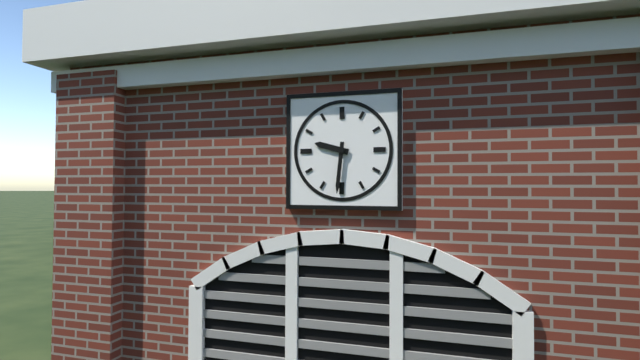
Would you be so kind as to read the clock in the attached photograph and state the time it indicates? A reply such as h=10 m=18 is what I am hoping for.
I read h=9 m=31
